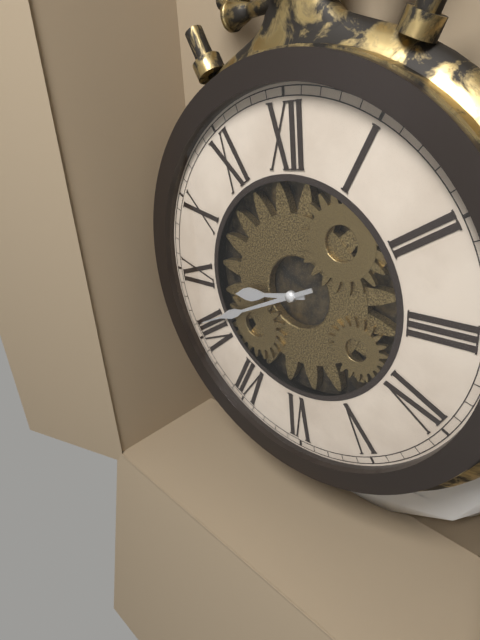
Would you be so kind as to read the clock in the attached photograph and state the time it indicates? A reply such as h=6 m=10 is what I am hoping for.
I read h=8 m=41
